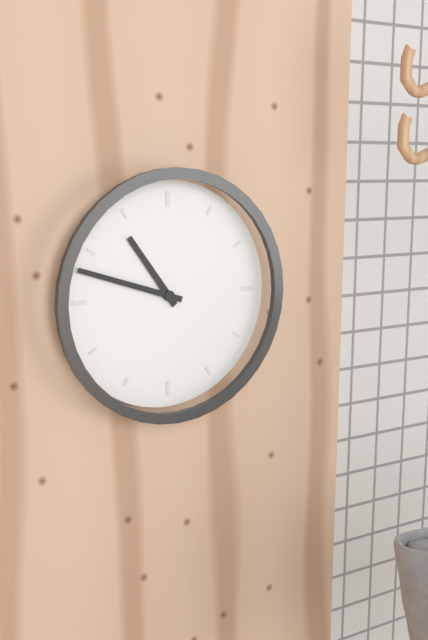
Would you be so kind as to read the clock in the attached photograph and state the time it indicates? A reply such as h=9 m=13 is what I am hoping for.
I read h=10 m=48
